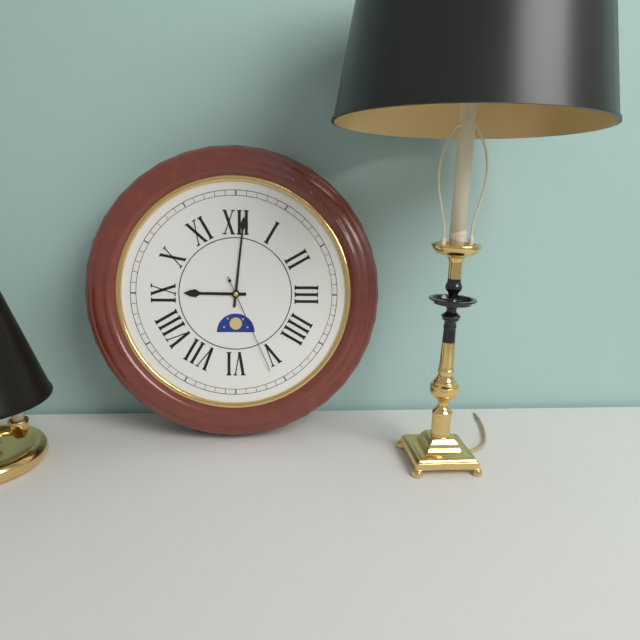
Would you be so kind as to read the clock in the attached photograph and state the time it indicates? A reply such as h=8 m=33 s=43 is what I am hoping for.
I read h=9 m=1 s=26
